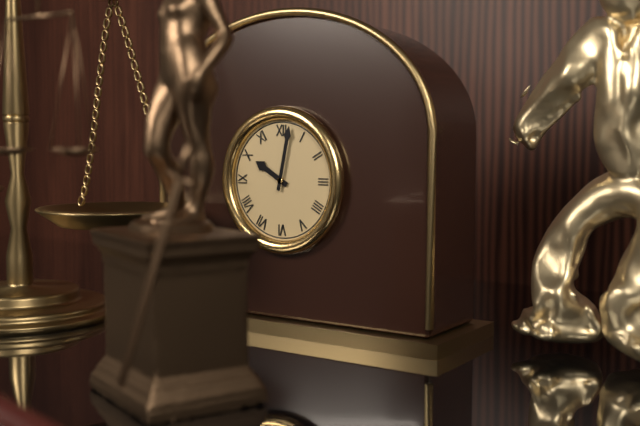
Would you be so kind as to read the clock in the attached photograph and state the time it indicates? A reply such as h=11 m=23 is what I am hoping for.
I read h=10 m=2
